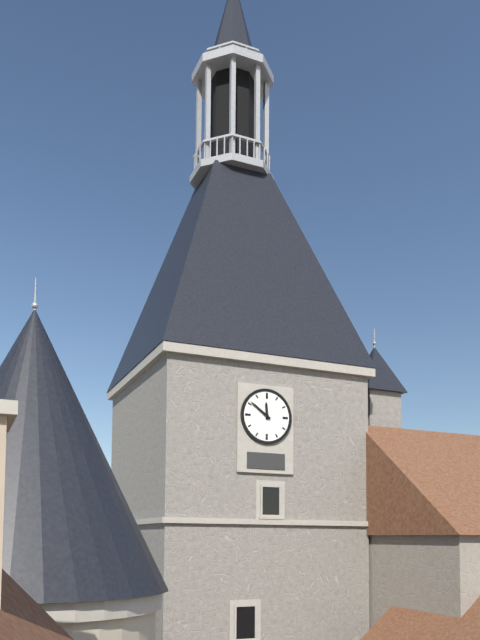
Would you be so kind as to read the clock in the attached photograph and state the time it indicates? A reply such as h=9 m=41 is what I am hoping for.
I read h=11 m=51
